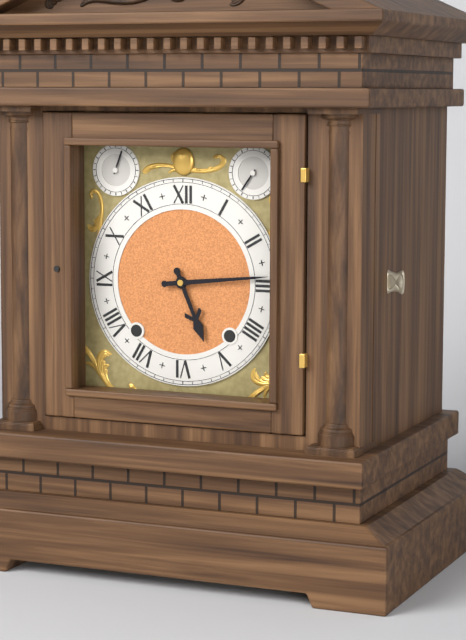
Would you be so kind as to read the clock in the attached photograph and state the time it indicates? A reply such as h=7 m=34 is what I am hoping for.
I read h=5 m=14
